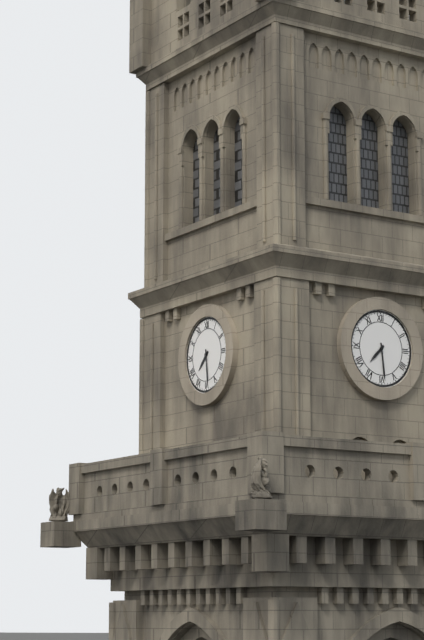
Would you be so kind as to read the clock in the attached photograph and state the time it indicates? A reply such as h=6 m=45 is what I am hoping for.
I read h=7 m=29
